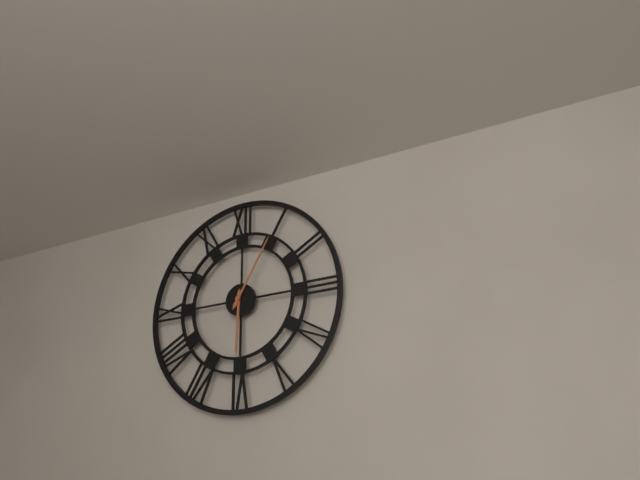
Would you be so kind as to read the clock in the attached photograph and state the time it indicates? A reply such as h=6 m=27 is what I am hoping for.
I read h=6 m=5
